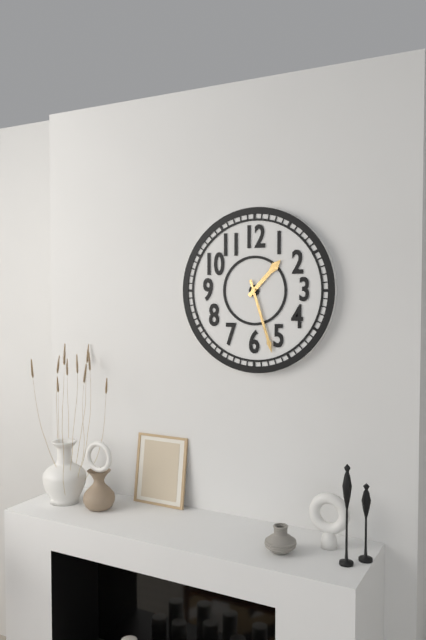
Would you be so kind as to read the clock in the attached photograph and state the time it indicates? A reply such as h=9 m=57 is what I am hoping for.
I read h=1 m=27
